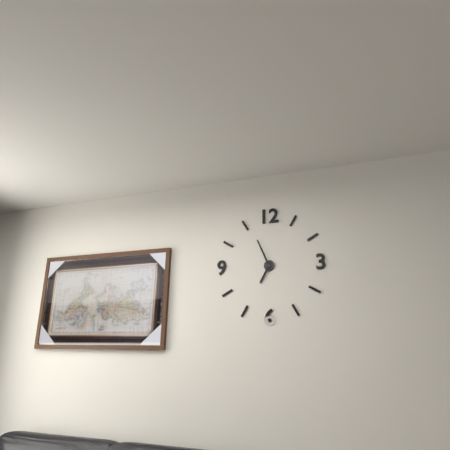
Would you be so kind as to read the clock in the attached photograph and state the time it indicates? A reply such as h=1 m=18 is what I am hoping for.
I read h=6 m=56
